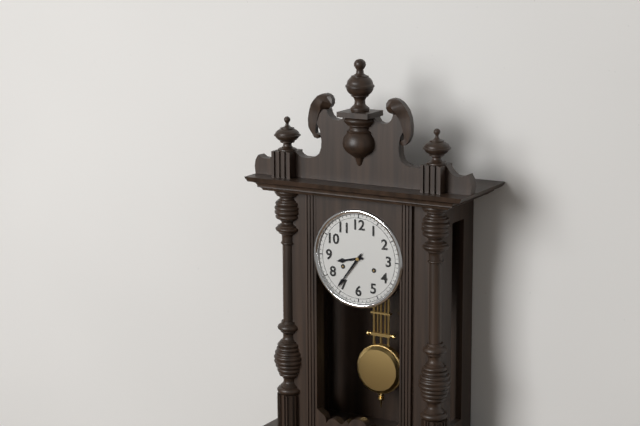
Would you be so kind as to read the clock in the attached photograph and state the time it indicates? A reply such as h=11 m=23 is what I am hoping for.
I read h=8 m=36
